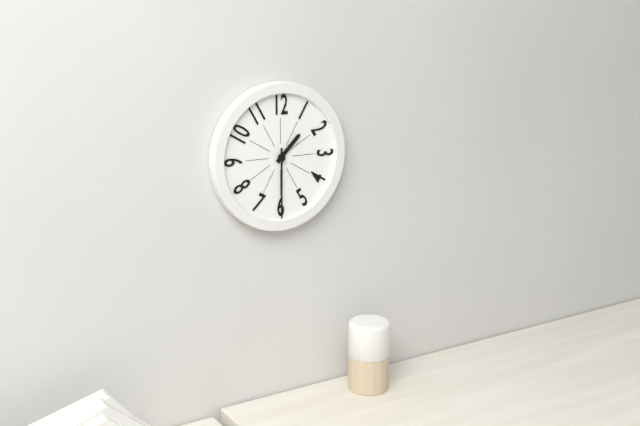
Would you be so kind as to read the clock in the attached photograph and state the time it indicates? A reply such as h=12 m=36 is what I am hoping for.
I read h=1 m=30
